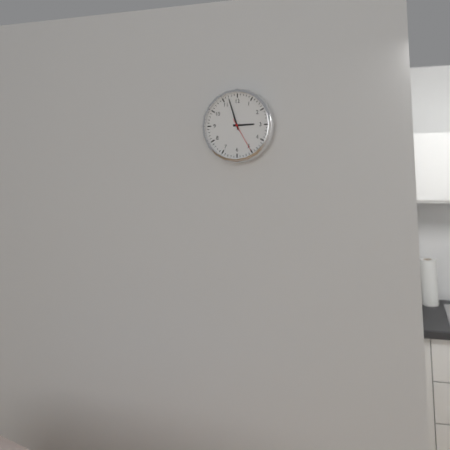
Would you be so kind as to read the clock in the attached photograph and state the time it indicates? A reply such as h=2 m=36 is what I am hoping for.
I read h=2 m=57
